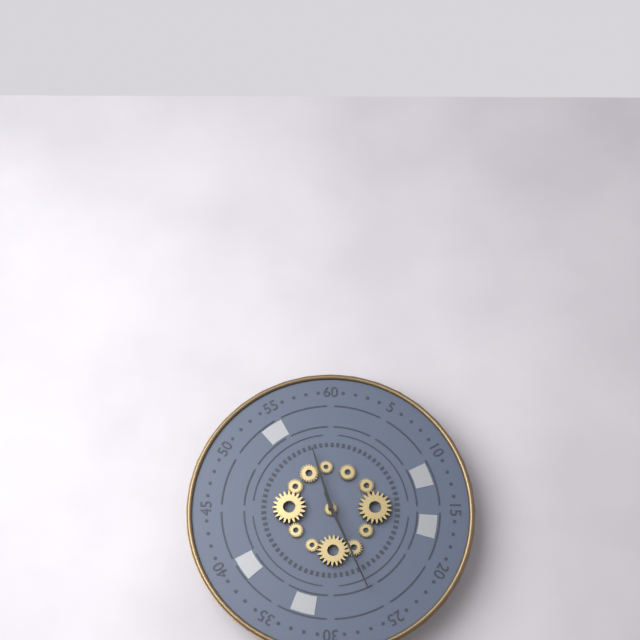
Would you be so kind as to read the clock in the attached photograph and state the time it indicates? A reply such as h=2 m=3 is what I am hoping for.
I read h=11 m=26
